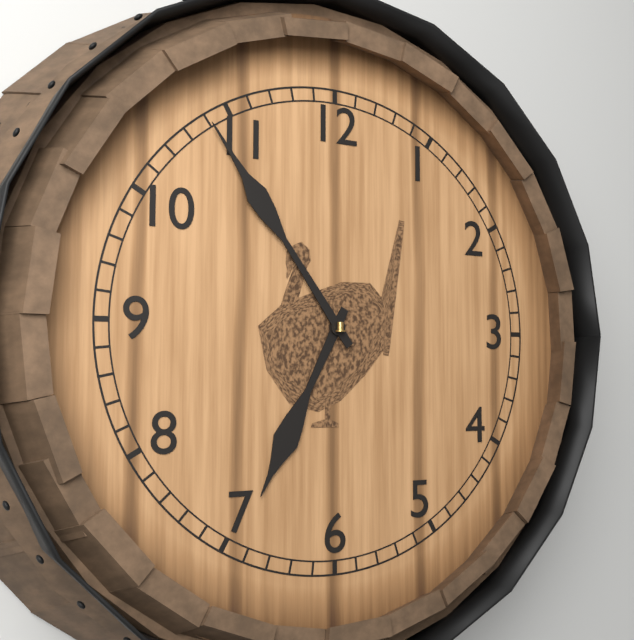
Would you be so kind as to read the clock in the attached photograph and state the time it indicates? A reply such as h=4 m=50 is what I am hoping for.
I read h=6 m=54
